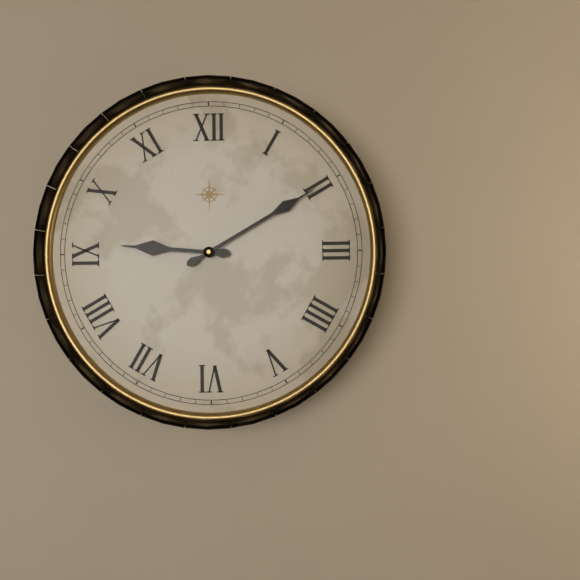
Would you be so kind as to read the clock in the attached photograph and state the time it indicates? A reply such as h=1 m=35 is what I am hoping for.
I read h=9 m=10
